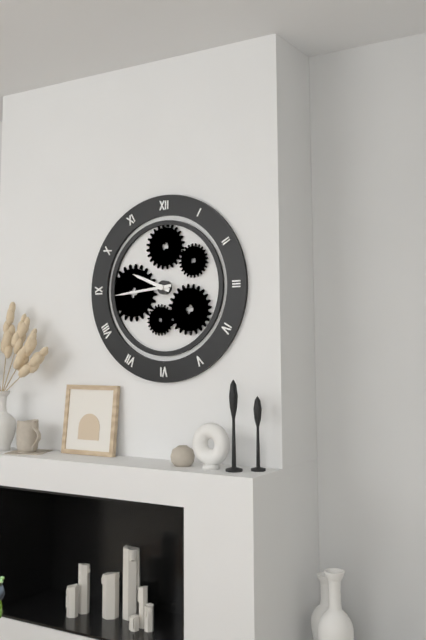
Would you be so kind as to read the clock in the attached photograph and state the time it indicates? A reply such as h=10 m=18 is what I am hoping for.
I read h=9 m=44
